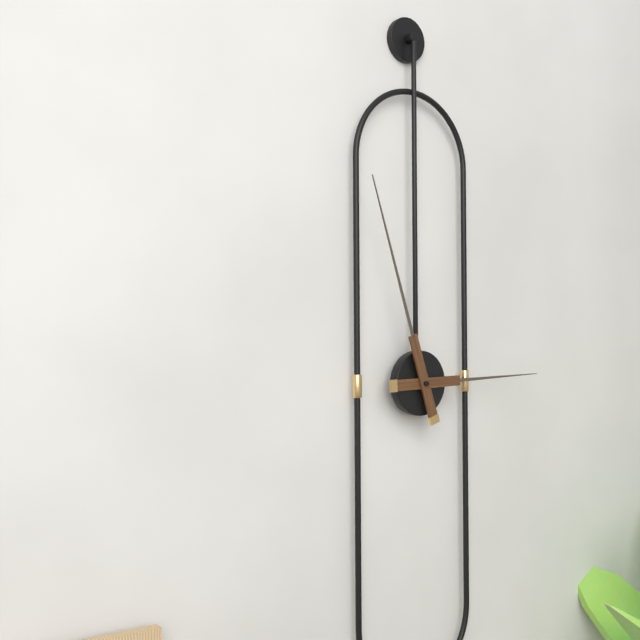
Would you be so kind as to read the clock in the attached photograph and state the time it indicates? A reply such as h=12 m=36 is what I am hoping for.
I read h=2 m=57
